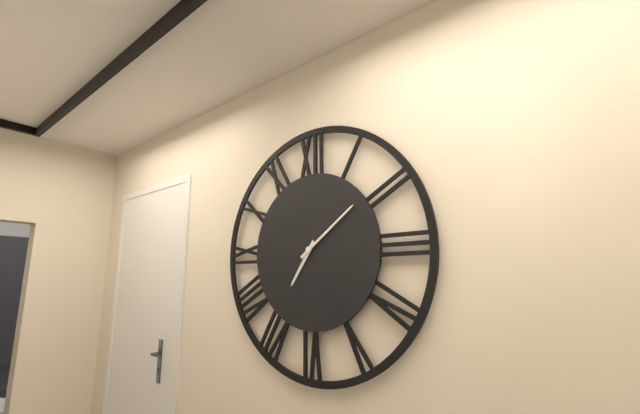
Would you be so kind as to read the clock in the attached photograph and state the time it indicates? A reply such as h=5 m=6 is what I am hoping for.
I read h=7 m=9
